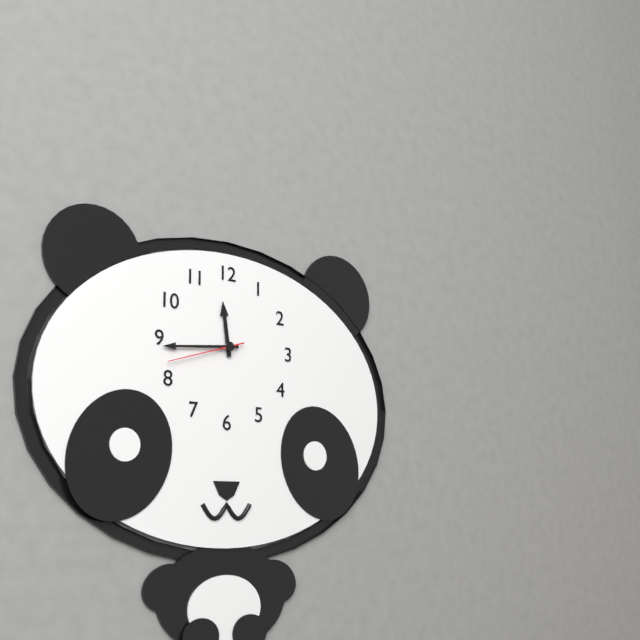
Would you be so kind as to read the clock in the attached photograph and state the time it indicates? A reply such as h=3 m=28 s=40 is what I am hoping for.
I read h=11 m=44 s=42
